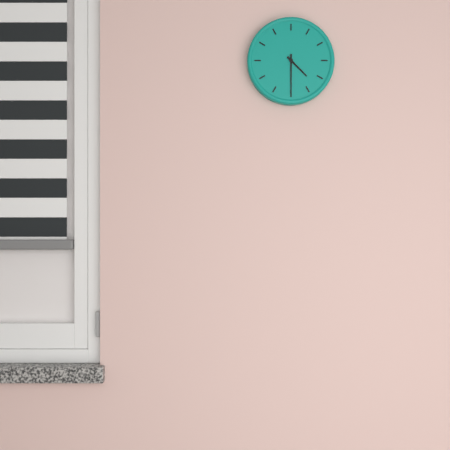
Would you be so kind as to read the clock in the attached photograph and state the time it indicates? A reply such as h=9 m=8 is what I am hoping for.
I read h=4 m=30
